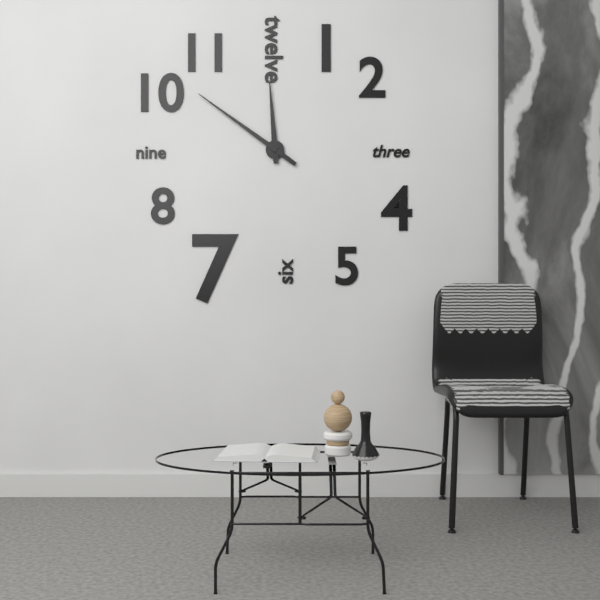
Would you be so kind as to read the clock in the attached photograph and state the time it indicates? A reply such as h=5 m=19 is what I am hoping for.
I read h=11 m=51
